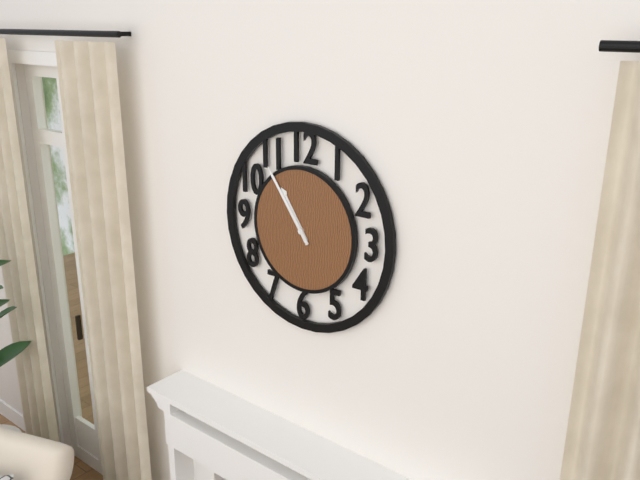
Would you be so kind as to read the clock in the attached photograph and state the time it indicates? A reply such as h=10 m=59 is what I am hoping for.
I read h=10 m=54
